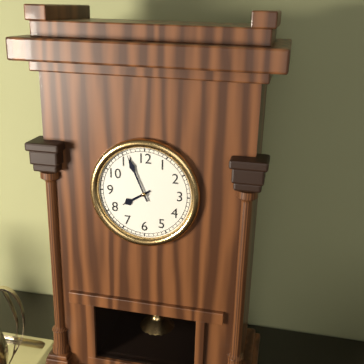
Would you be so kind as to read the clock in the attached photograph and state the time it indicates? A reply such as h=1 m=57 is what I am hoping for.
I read h=7 m=56
